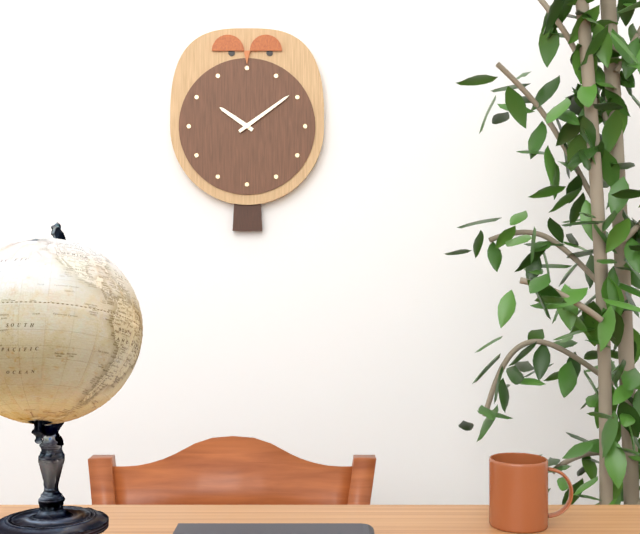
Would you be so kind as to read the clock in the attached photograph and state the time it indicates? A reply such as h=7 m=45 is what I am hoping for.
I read h=10 m=9
